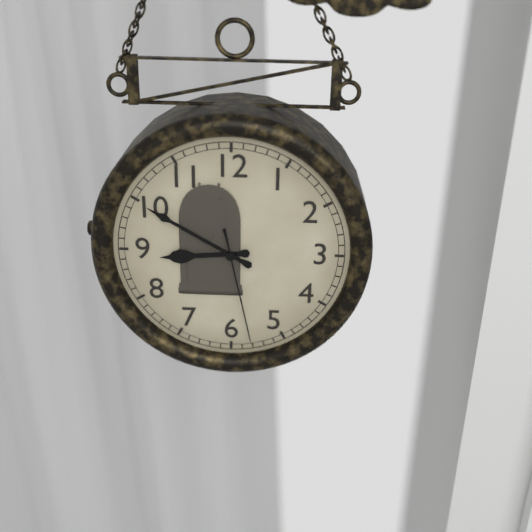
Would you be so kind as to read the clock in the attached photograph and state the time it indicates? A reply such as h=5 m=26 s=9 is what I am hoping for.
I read h=8 m=50 s=28
